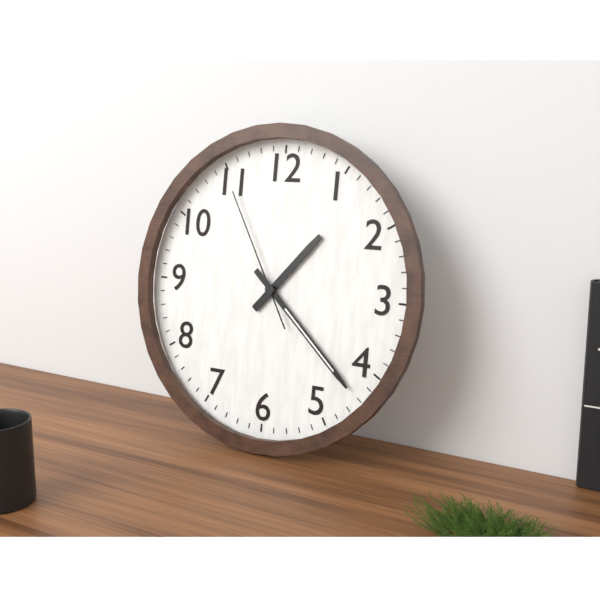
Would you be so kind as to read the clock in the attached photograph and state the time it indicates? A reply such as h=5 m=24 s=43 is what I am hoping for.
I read h=1 m=22 s=55
